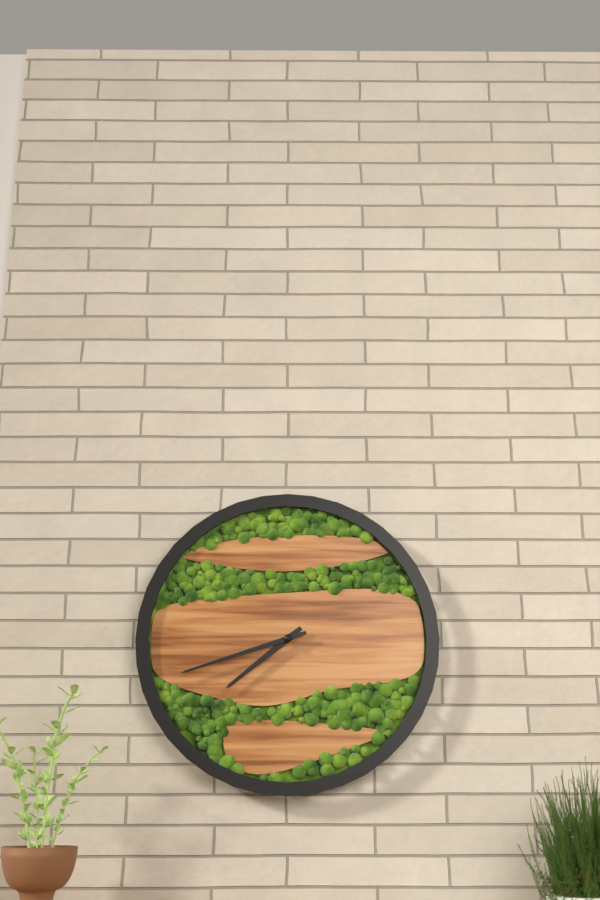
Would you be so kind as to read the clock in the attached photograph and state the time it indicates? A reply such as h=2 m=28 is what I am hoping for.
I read h=7 m=42
